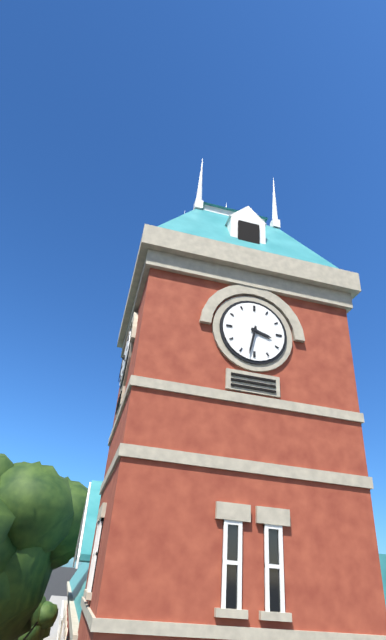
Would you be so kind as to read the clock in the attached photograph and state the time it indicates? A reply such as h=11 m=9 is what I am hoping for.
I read h=3 m=32
